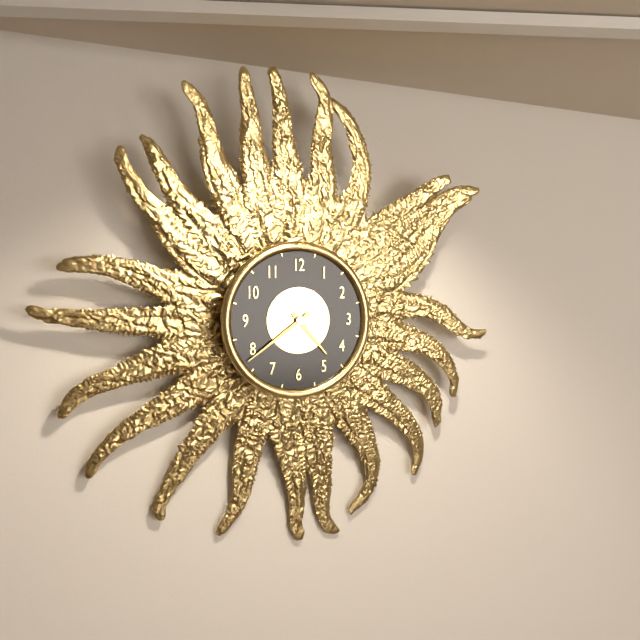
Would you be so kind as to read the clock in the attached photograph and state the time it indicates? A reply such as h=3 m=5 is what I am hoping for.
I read h=4 m=39
